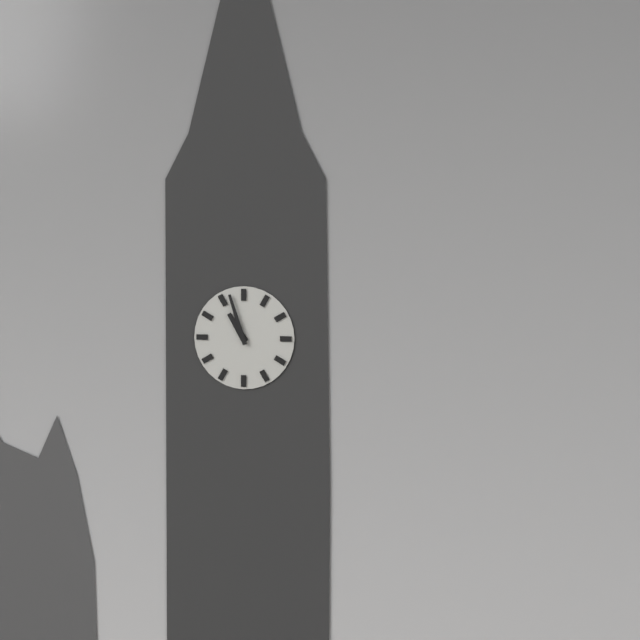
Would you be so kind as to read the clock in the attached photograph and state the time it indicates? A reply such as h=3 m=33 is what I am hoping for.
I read h=10 m=57
